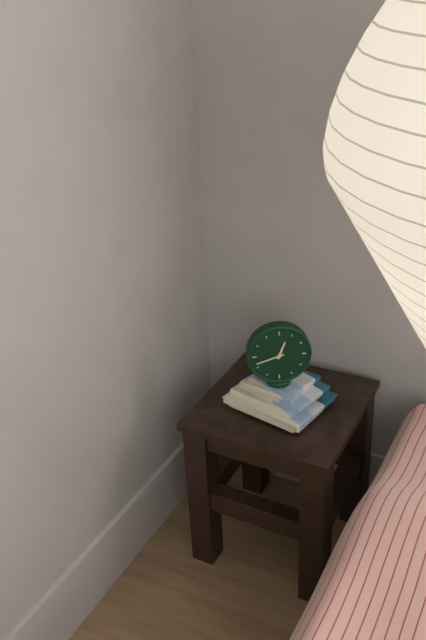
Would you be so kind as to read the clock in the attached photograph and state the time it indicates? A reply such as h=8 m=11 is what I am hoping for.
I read h=12 m=42
